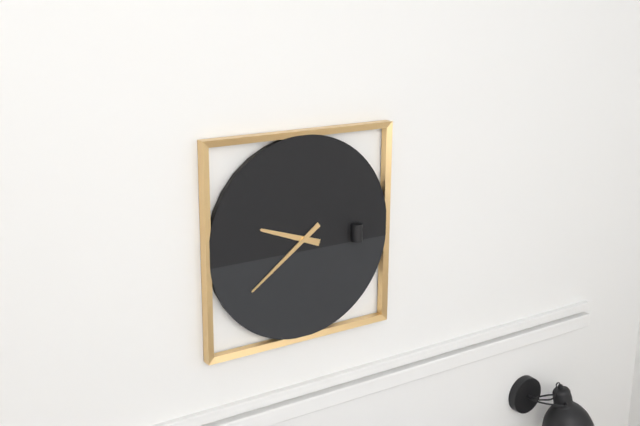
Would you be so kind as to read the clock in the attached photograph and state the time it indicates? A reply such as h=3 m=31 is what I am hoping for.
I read h=9 m=39
